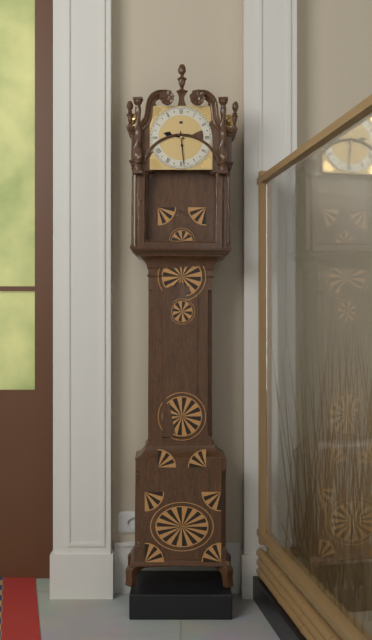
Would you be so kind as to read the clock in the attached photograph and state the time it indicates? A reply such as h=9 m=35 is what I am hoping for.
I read h=9 m=29
